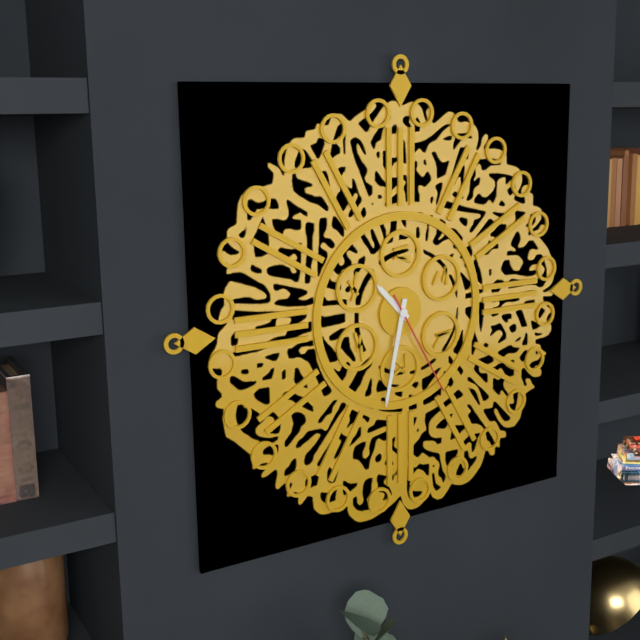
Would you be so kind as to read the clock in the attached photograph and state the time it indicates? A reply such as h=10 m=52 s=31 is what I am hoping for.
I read h=10 m=32 s=25
